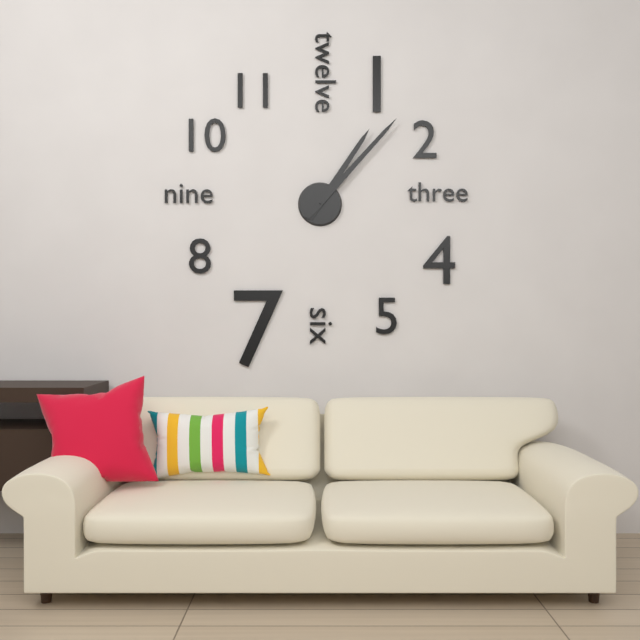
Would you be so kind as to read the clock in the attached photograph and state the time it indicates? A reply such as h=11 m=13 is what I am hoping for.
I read h=1 m=7
